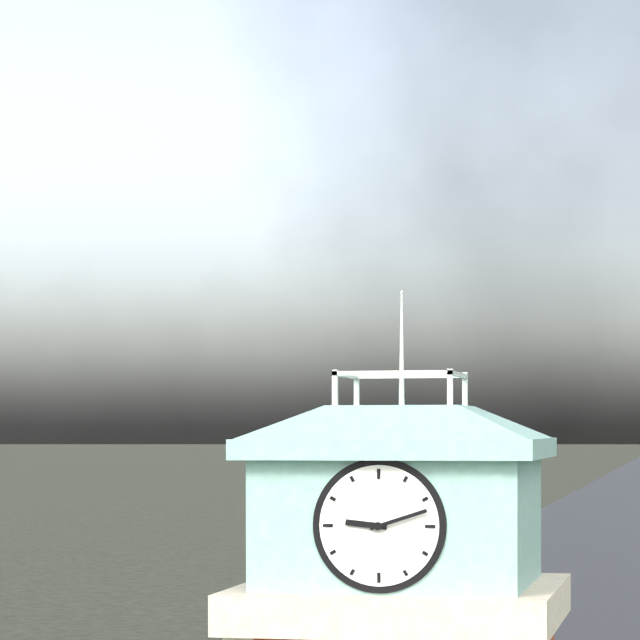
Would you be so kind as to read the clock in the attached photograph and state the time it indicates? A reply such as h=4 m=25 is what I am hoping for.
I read h=9 m=12
